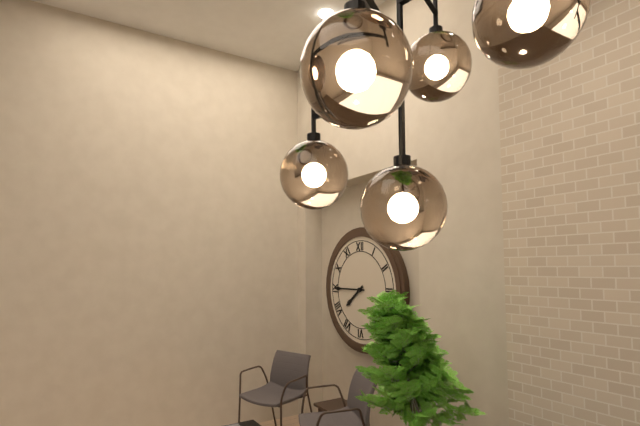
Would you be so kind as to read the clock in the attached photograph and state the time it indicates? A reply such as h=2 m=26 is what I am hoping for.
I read h=7 m=45
